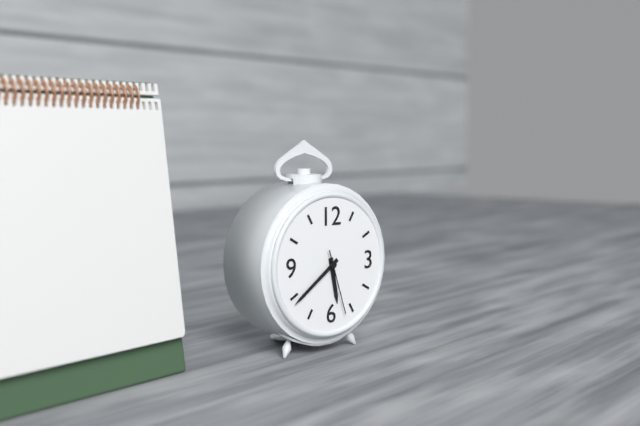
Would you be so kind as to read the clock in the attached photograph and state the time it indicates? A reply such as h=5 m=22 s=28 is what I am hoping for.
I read h=5 m=39 s=27
